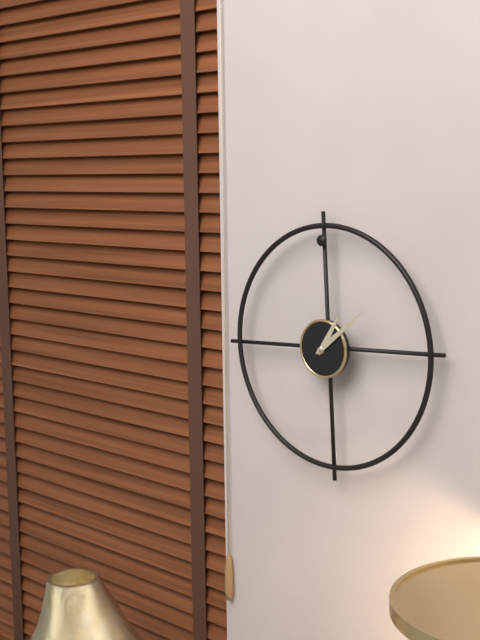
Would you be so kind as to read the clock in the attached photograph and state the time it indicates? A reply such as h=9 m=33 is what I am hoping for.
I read h=1 m=9
